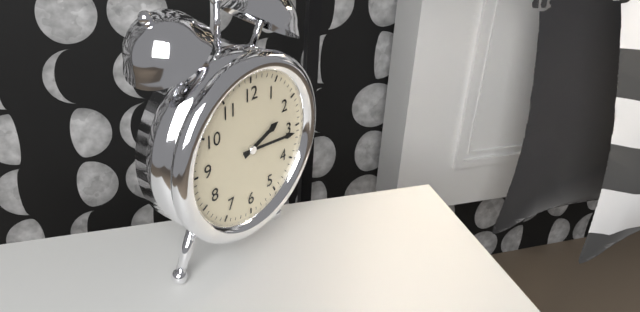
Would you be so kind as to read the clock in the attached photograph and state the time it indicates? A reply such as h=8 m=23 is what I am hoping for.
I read h=2 m=16
